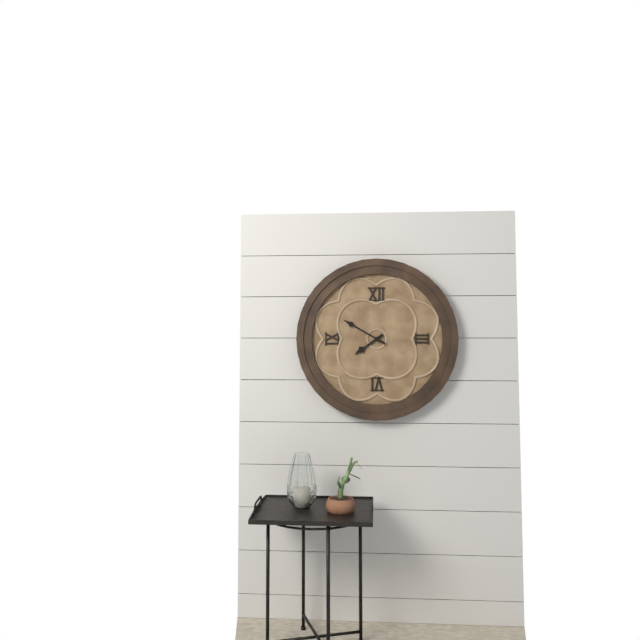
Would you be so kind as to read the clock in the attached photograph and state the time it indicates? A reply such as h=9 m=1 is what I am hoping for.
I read h=7 m=50
